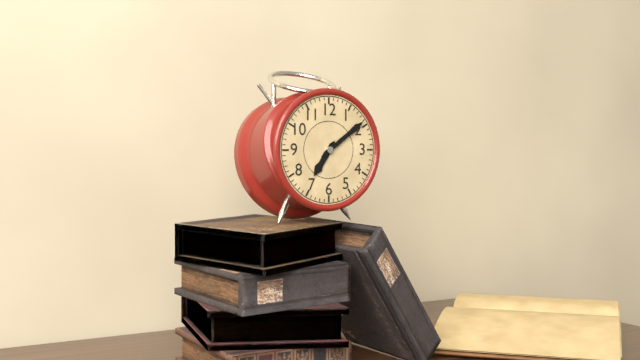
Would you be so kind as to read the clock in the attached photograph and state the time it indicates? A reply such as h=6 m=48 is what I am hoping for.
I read h=7 m=9
